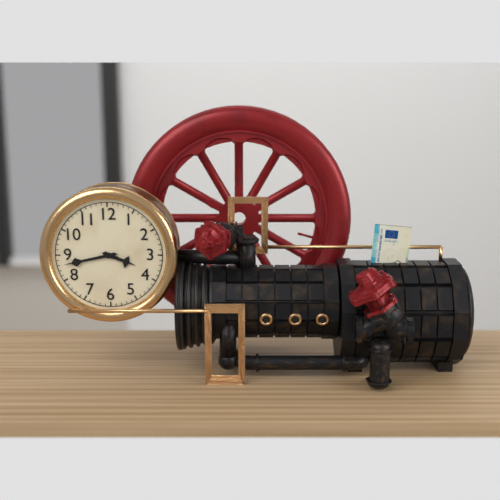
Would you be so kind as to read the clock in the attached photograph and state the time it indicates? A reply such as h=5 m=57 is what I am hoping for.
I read h=3 m=43
